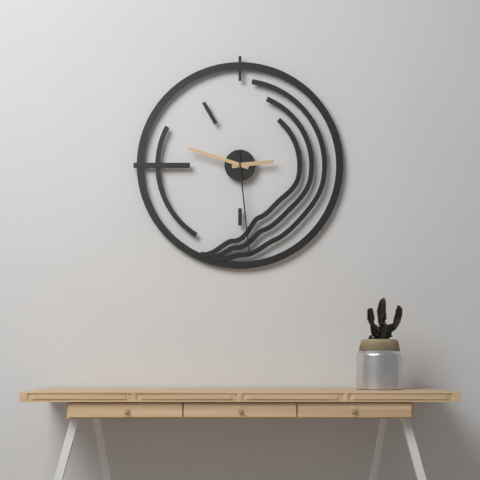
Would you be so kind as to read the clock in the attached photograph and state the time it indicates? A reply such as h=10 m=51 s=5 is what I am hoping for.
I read h=2 m=48 s=29
